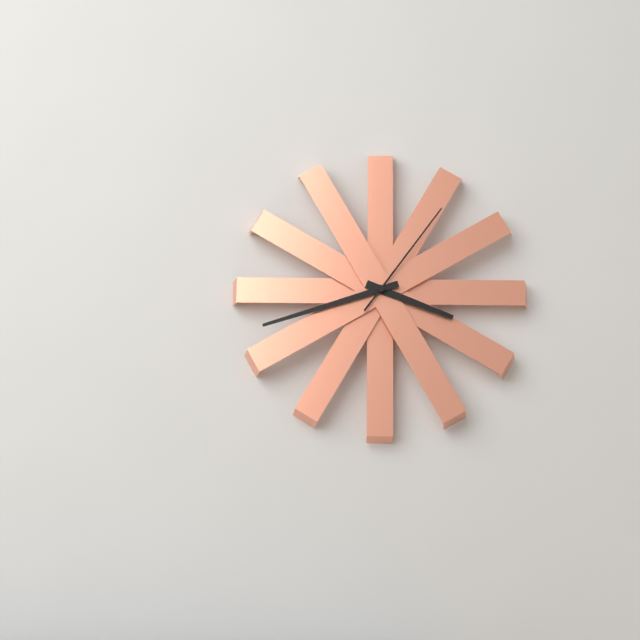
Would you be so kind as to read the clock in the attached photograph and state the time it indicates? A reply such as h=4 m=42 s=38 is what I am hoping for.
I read h=3 m=42 s=6
